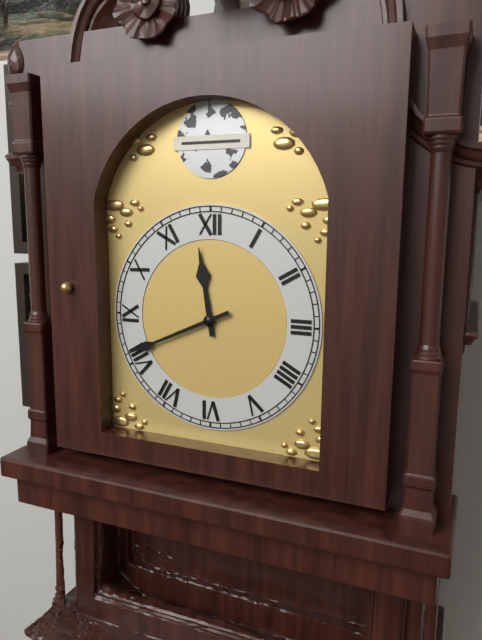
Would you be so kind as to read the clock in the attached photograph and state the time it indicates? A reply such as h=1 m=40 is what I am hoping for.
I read h=11 m=41
